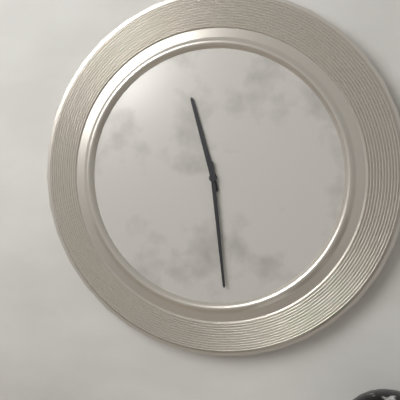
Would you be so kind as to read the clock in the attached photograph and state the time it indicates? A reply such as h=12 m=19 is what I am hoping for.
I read h=11 m=29
